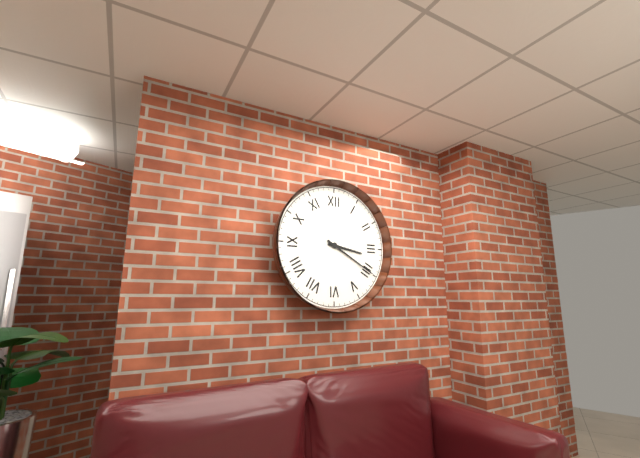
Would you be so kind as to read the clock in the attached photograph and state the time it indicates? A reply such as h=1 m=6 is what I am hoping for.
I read h=3 m=20
